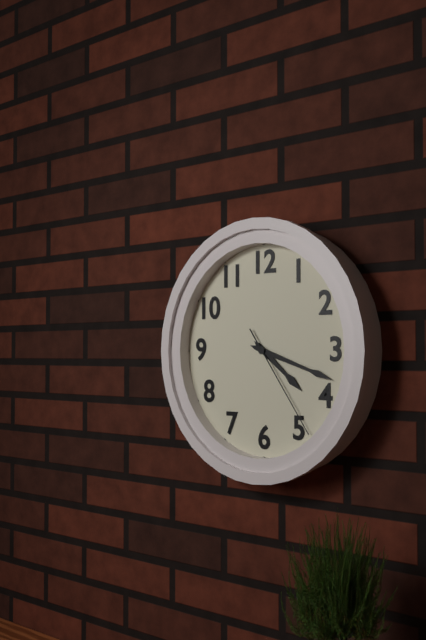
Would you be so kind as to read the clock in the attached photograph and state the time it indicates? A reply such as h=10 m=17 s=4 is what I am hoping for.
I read h=4 m=18 s=24
